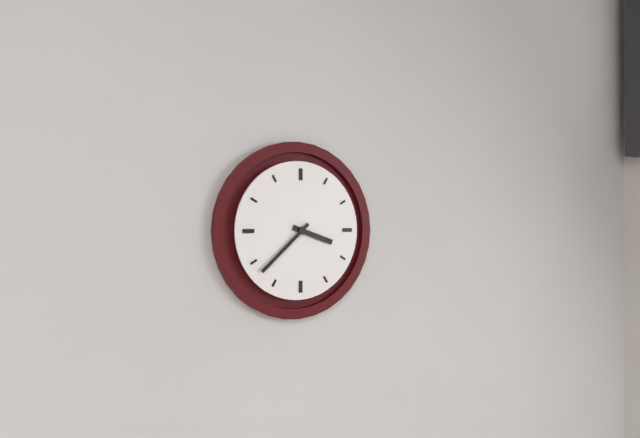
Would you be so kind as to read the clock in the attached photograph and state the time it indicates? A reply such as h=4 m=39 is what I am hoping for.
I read h=3 m=38
